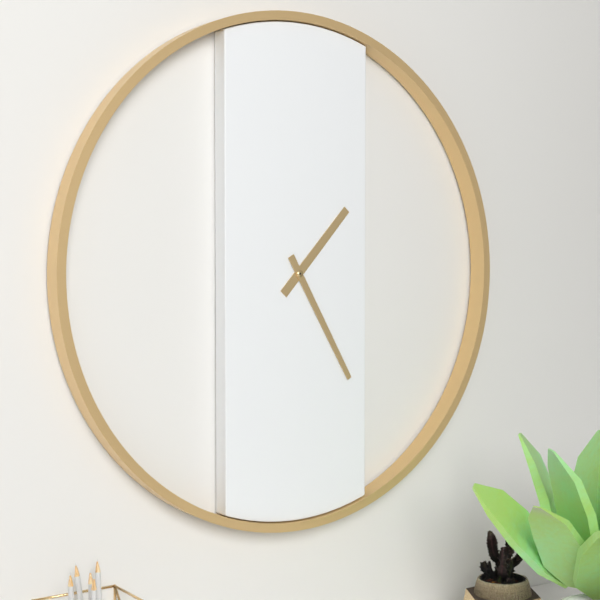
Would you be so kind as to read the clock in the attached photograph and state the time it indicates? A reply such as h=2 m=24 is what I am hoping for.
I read h=1 m=25
